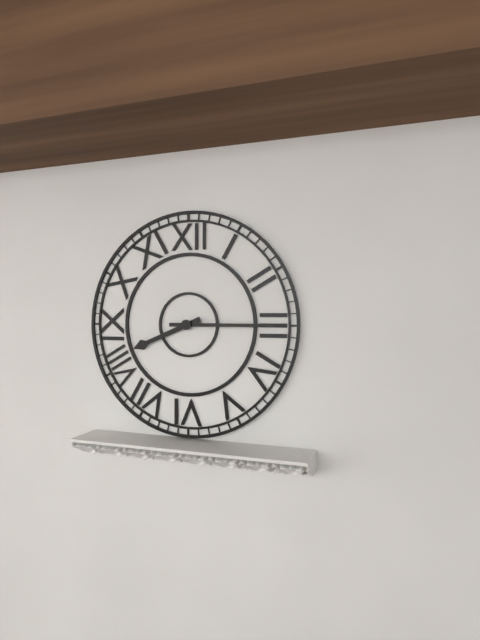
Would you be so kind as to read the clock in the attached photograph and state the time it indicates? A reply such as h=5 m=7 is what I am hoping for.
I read h=8 m=15
